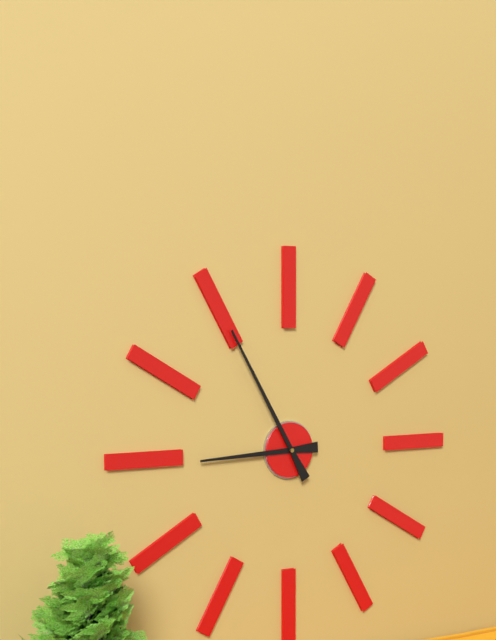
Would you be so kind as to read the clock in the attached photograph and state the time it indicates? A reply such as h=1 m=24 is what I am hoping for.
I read h=8 m=55
